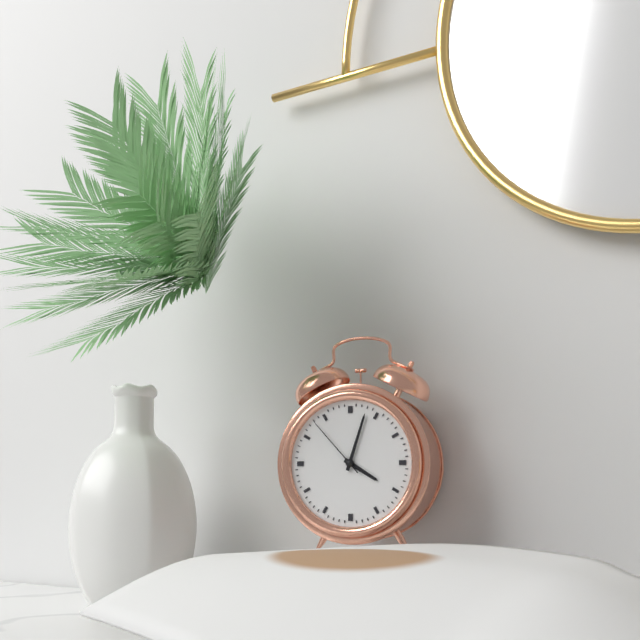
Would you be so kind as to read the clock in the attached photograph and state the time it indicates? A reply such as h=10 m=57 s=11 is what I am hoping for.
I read h=4 m=3 s=53
